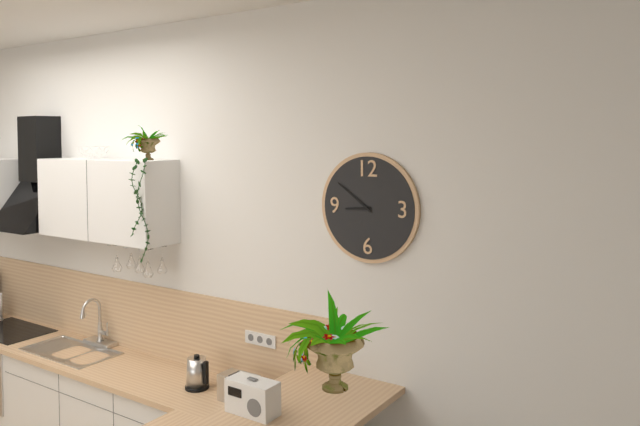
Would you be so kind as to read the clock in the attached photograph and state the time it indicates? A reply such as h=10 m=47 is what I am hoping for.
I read h=8 m=51
